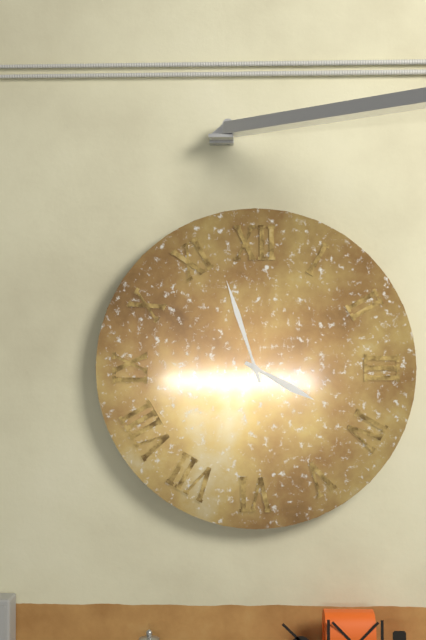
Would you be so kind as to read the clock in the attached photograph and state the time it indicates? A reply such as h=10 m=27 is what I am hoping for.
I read h=3 m=57
